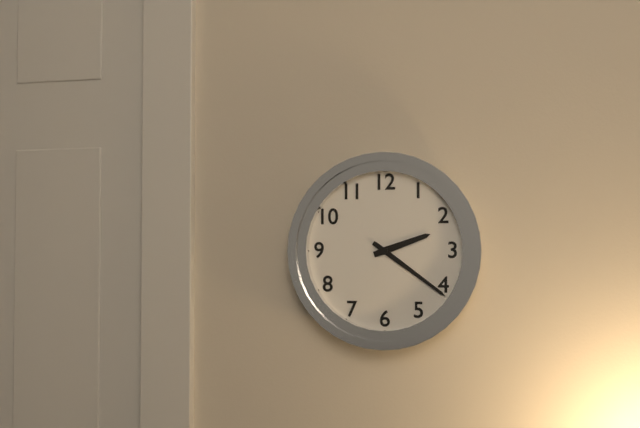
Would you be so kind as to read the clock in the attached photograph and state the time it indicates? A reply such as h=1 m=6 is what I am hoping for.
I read h=2 m=21
